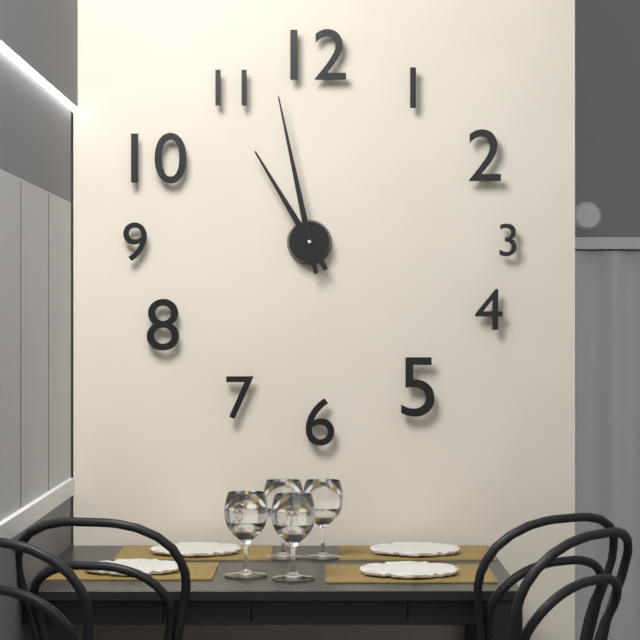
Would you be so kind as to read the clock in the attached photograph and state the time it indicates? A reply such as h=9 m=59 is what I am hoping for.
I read h=10 m=58
